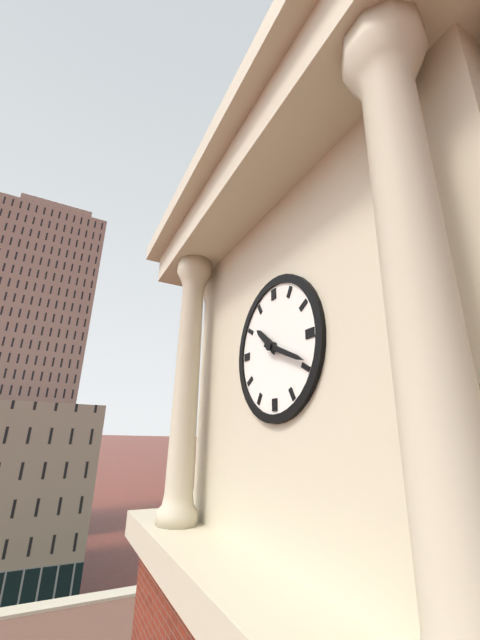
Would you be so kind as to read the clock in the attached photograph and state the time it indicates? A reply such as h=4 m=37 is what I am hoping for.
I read h=10 m=19
